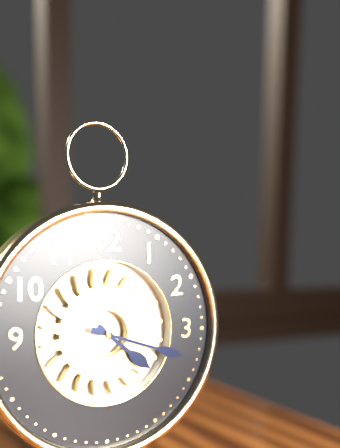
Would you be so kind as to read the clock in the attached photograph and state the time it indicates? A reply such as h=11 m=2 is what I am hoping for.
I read h=4 m=18
